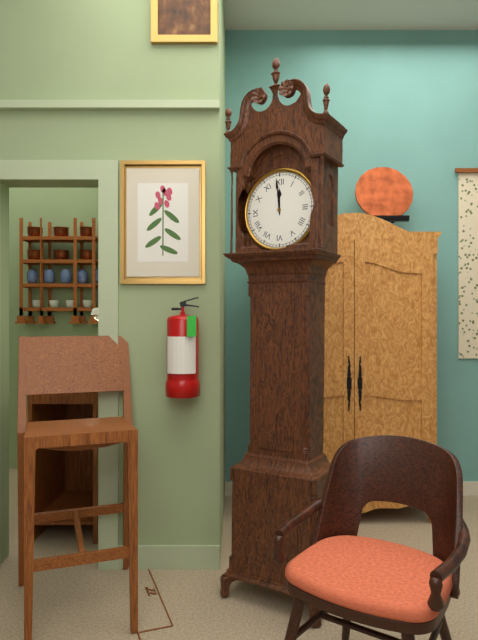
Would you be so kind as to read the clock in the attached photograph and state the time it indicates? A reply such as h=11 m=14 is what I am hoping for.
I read h=11 m=59
